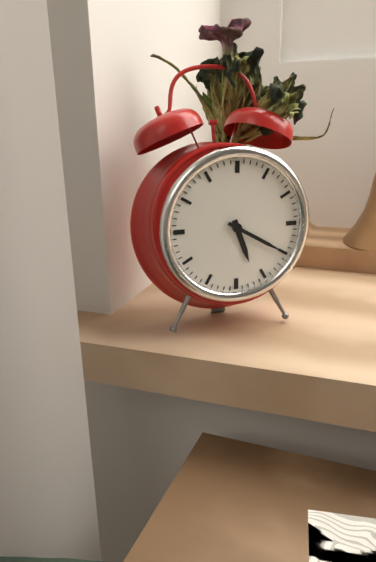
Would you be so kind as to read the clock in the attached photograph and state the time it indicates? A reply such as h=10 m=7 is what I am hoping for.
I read h=5 m=20
